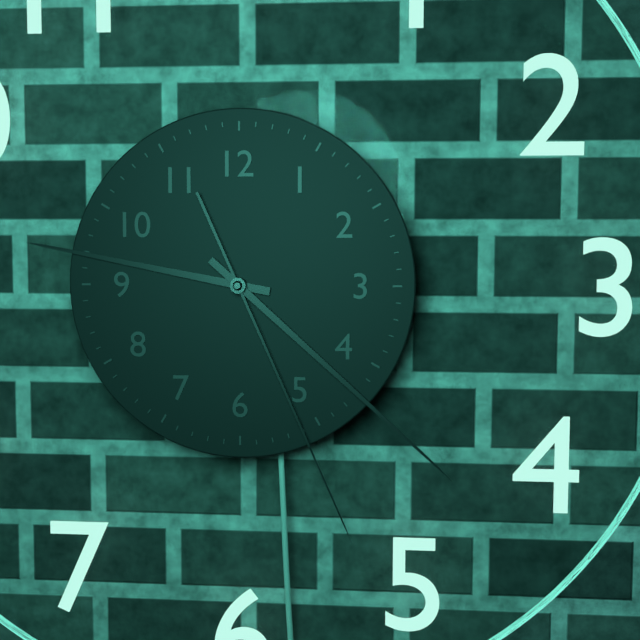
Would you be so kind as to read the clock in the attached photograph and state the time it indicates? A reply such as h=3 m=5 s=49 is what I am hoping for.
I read h=9 m=22 s=26
